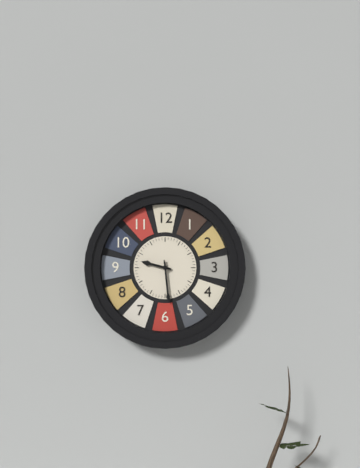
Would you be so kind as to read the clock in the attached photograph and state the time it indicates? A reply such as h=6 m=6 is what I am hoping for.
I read h=9 m=29
